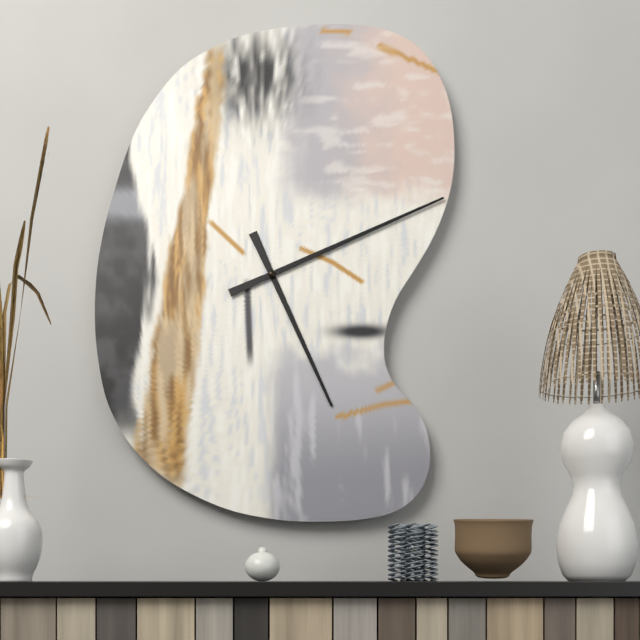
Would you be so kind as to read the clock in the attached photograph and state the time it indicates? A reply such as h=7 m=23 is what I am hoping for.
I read h=5 m=11
